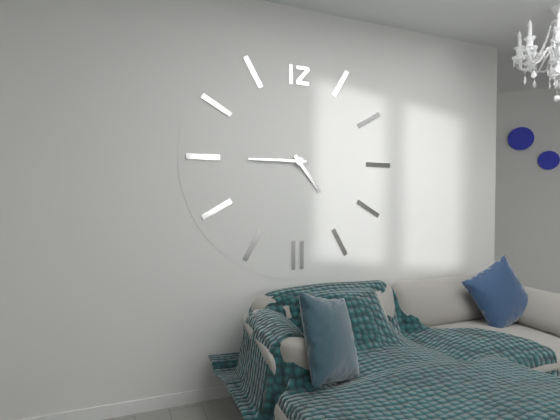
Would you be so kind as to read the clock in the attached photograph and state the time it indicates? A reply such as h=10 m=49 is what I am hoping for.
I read h=4 m=45
